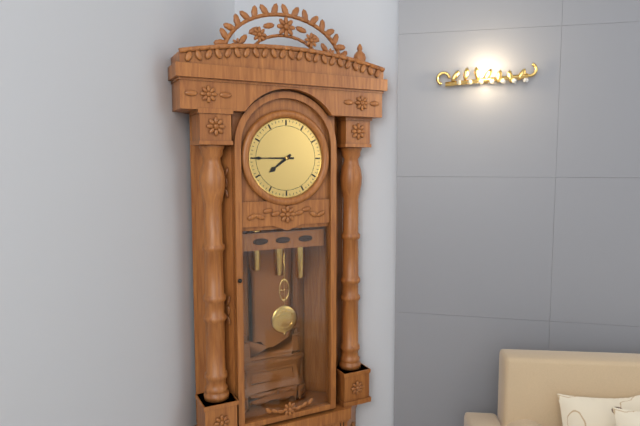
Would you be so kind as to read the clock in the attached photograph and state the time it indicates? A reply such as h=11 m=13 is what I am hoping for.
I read h=7 m=45
